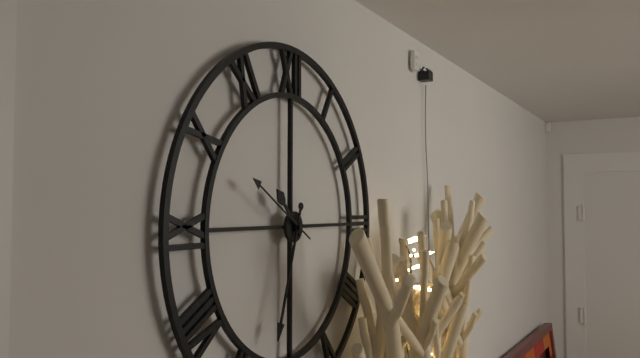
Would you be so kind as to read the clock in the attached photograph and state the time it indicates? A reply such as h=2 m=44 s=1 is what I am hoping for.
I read h=10 m=33 s=50
